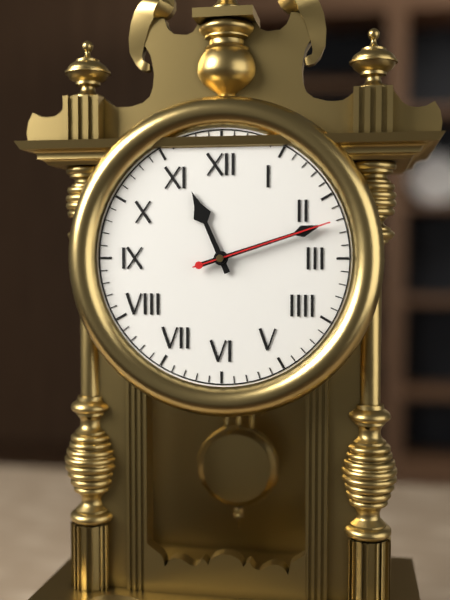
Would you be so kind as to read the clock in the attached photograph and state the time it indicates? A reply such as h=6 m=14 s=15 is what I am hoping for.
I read h=11 m=12 s=12
